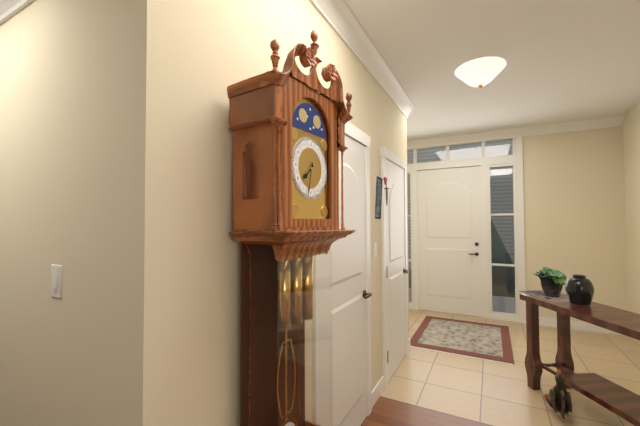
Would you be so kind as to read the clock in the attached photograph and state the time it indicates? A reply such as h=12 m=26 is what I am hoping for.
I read h=7 m=32
